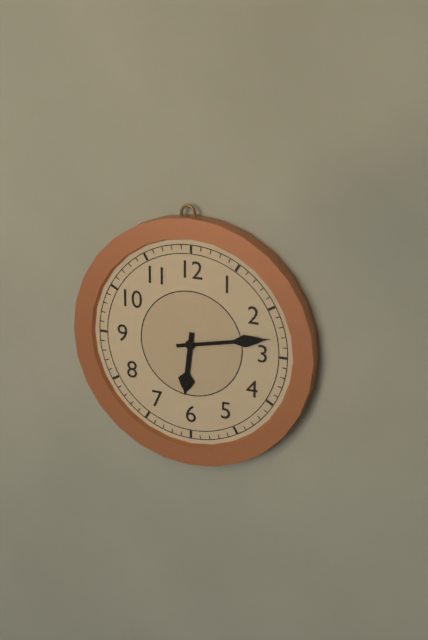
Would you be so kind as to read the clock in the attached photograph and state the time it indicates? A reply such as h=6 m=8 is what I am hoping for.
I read h=6 m=13
